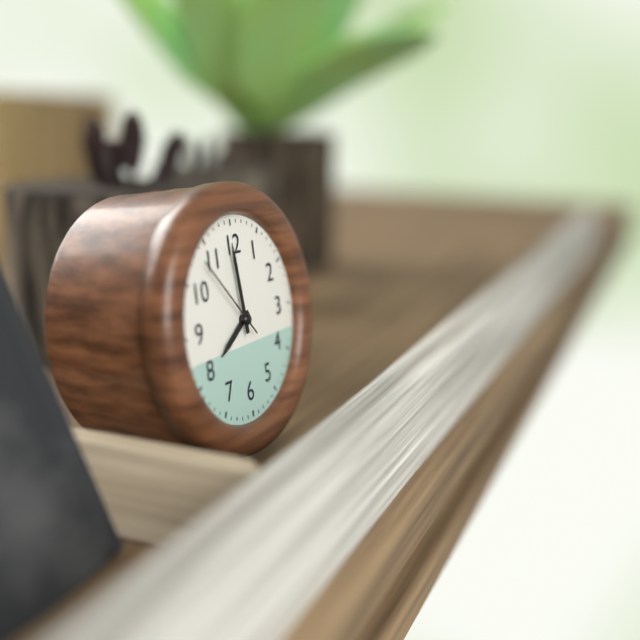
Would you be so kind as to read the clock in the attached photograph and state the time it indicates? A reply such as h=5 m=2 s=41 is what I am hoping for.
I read h=7 m=59 s=53
